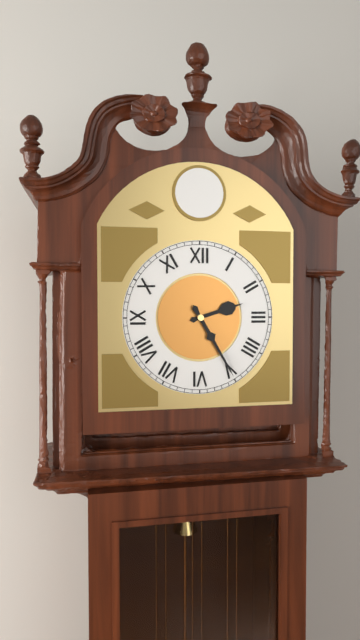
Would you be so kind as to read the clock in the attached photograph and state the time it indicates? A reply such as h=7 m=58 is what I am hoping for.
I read h=2 m=25
